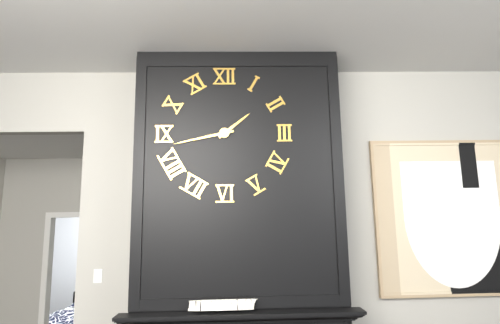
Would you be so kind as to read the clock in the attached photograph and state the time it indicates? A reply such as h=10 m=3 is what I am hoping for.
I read h=1 m=43
